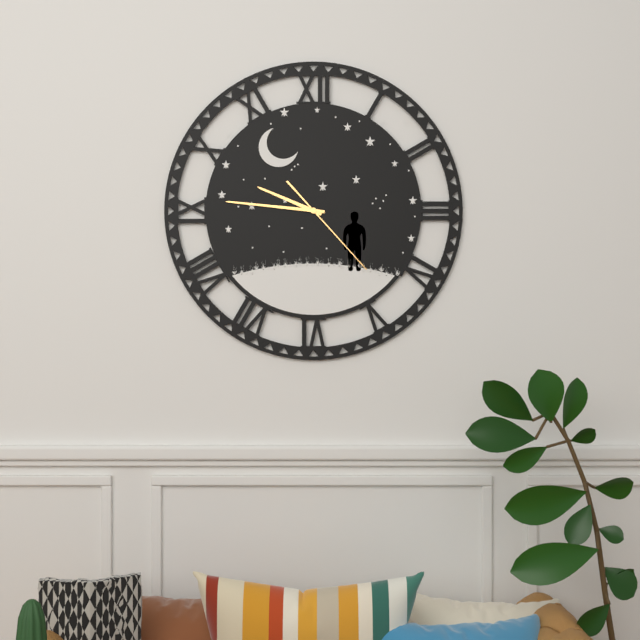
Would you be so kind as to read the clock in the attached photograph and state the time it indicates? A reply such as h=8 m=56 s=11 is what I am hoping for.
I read h=9 m=46 s=23
